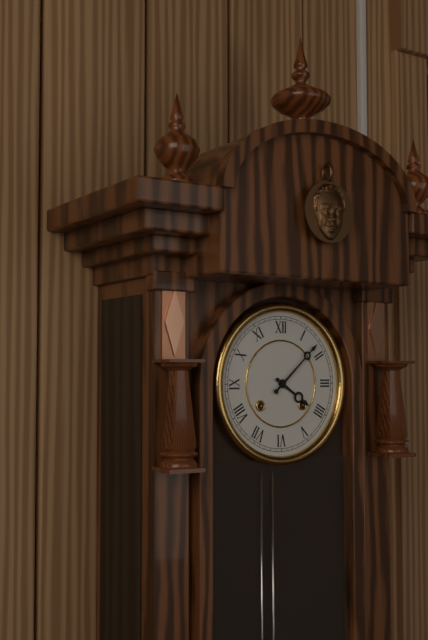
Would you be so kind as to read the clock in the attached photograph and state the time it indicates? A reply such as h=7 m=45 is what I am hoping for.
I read h=4 m=8
